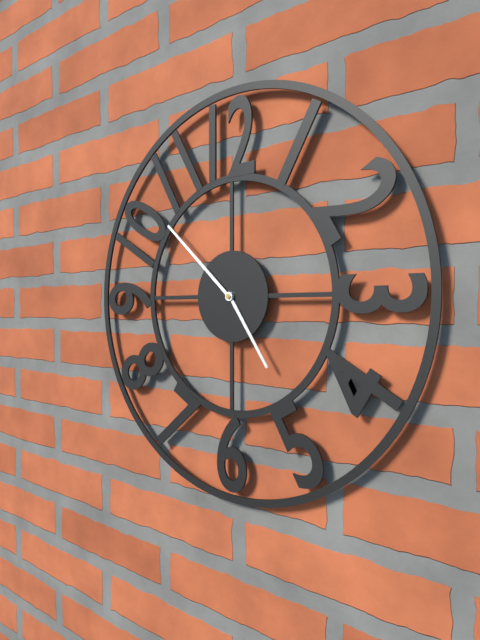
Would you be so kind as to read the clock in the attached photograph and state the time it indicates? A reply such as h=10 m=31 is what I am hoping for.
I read h=4 m=52
